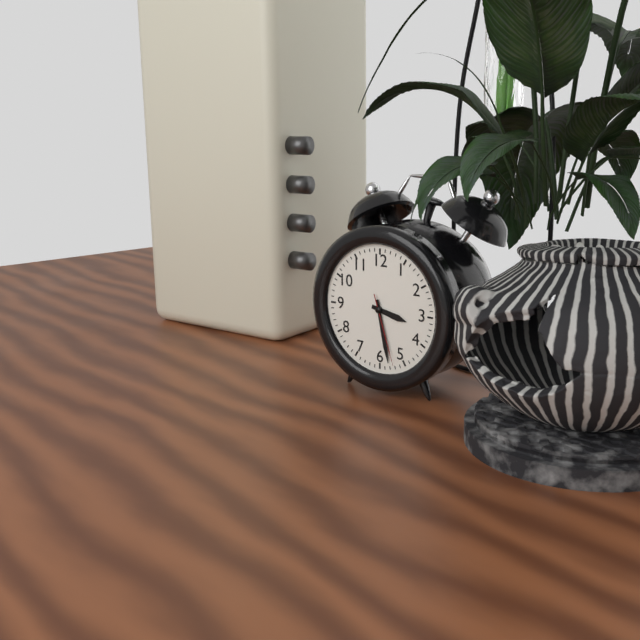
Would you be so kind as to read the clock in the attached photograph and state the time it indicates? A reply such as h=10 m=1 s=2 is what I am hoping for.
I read h=3 m=28 s=27
